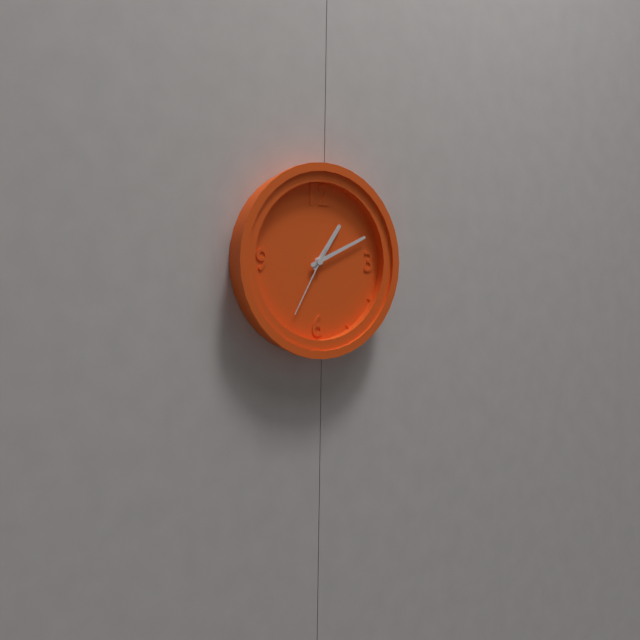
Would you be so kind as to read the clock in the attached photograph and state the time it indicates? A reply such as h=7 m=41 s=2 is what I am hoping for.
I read h=1 m=11 s=35
